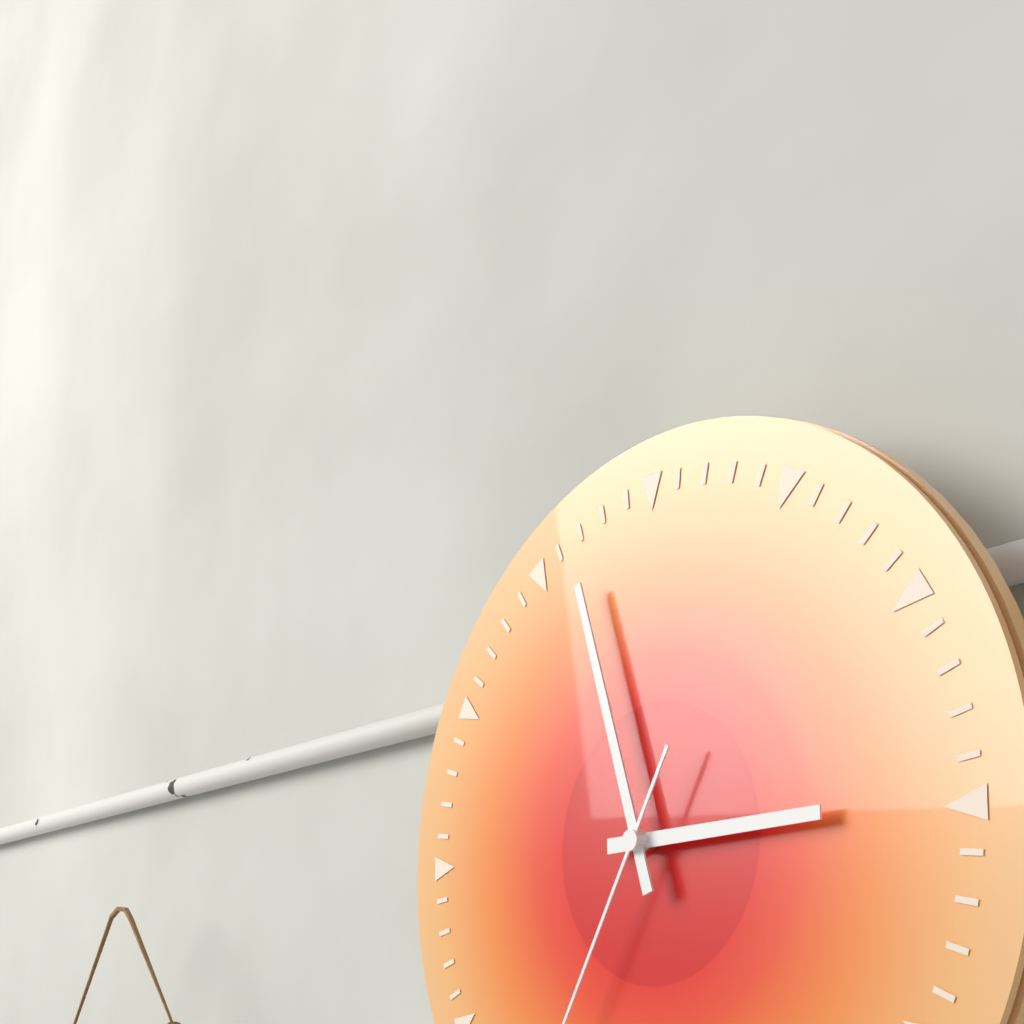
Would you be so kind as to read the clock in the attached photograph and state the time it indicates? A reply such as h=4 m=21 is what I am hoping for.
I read h=2 m=57
